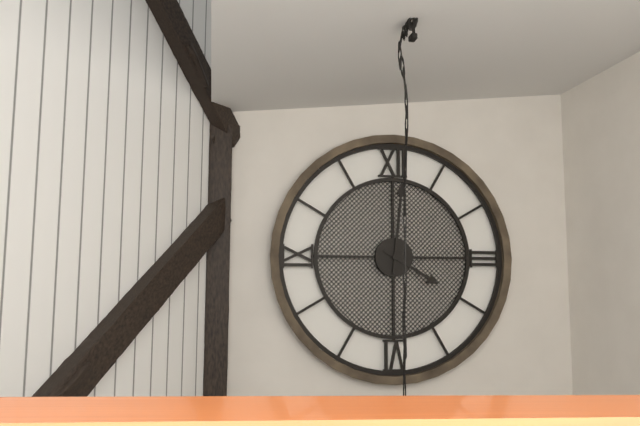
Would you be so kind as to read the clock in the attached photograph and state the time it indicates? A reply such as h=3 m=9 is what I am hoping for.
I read h=4 m=1
